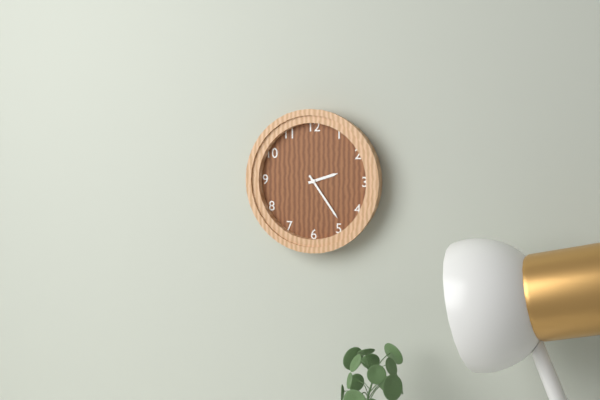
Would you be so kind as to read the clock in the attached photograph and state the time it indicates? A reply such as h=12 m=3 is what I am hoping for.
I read h=2 m=24
